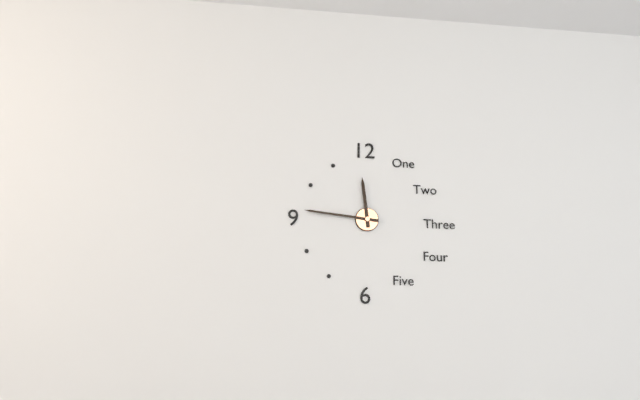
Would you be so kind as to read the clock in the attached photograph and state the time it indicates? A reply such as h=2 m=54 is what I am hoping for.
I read h=11 m=46
